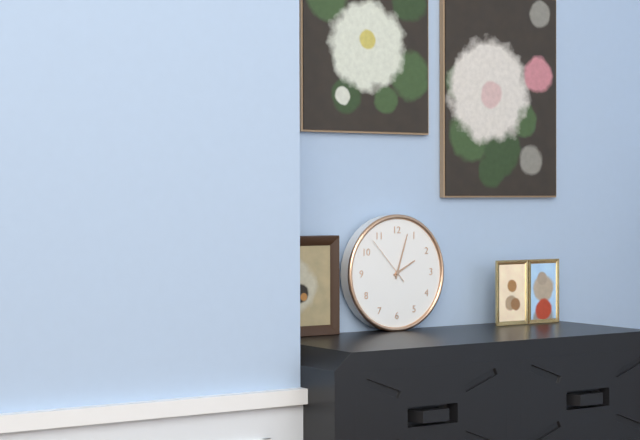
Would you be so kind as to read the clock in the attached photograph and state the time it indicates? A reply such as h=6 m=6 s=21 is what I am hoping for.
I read h=2 m=3 s=53
